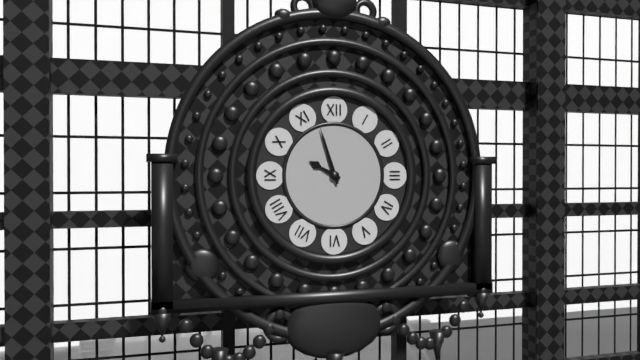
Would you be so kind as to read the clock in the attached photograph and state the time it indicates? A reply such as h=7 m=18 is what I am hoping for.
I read h=9 m=57
